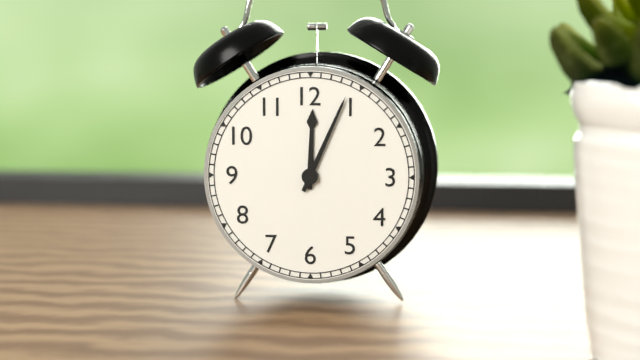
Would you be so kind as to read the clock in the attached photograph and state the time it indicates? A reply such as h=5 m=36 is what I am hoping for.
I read h=12 m=4
